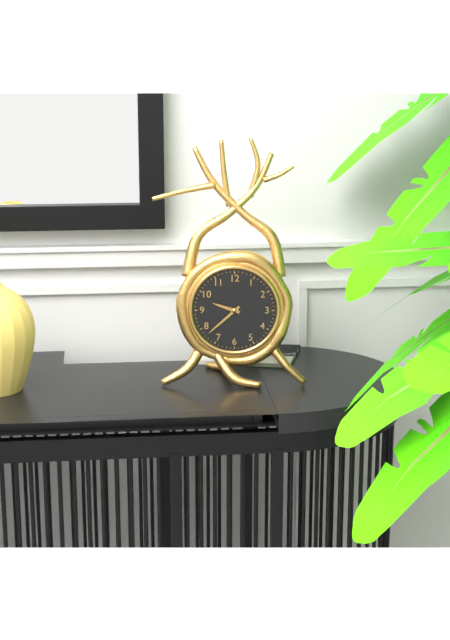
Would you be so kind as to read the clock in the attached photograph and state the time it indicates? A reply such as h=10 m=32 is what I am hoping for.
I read h=9 m=38
